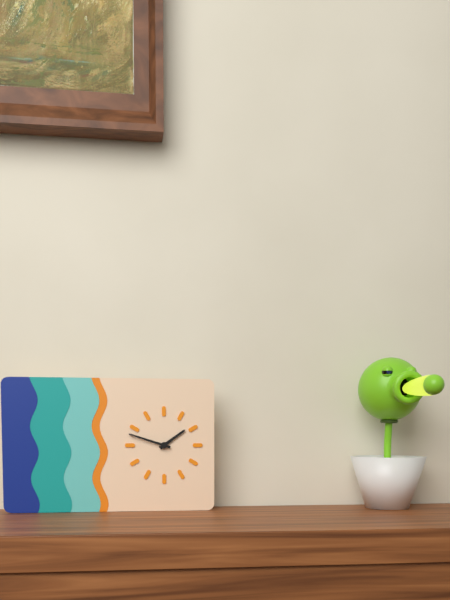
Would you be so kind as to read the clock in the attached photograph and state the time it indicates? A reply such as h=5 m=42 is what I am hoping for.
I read h=1 m=48
